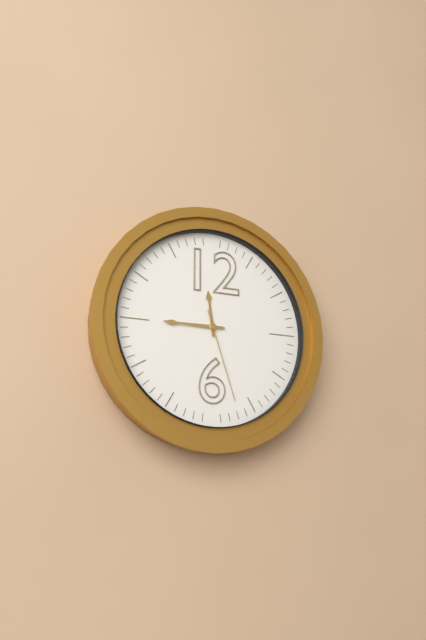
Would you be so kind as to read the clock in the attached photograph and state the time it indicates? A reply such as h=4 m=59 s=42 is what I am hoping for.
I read h=11 m=45 s=27
